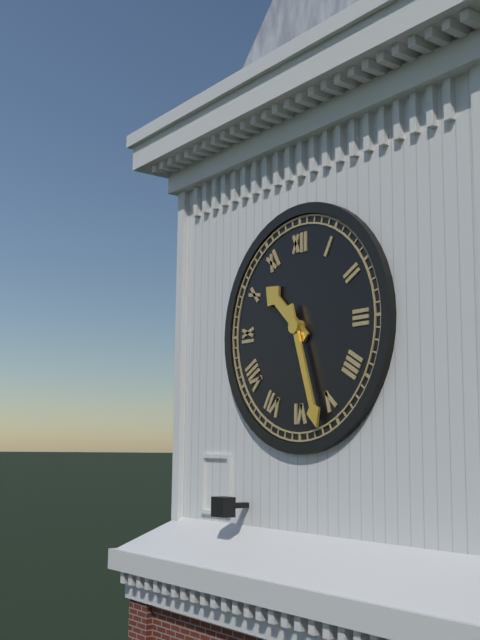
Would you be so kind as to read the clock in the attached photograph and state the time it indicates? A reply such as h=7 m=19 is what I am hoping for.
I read h=10 m=27
